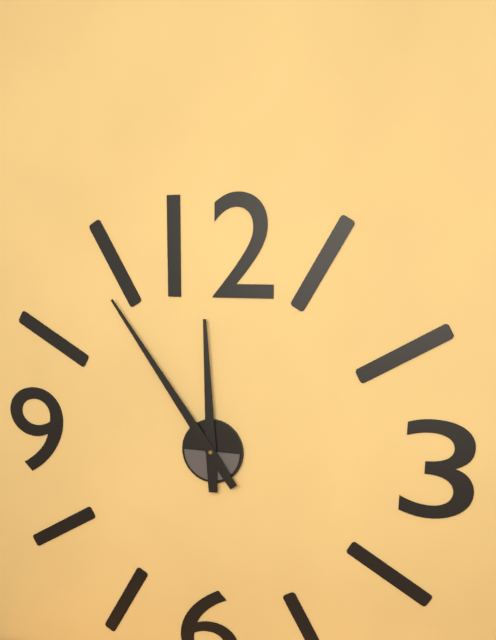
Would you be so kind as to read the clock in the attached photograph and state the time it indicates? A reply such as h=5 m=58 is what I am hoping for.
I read h=11 m=54
